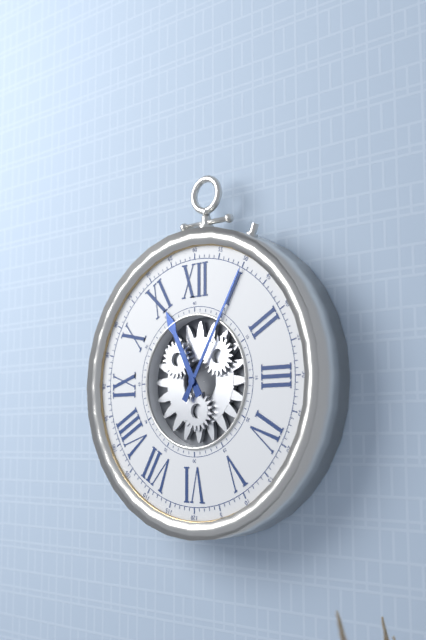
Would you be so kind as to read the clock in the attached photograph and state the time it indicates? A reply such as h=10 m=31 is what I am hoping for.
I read h=11 m=5
